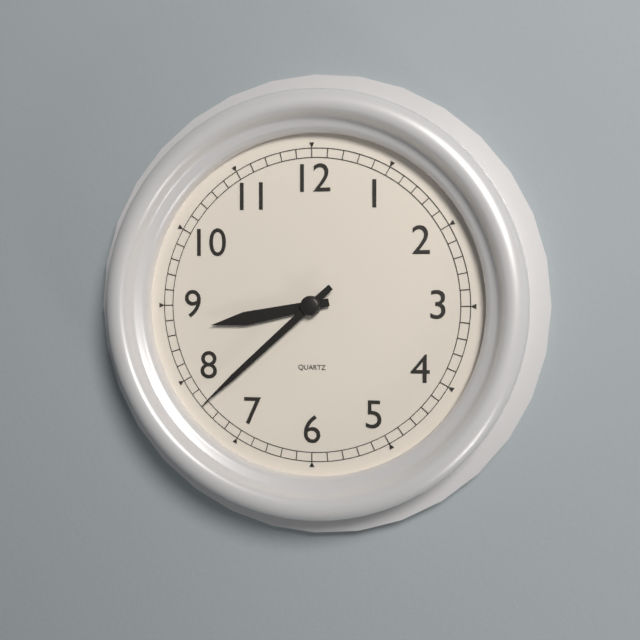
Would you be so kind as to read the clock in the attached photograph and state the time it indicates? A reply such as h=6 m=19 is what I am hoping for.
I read h=8 m=38
